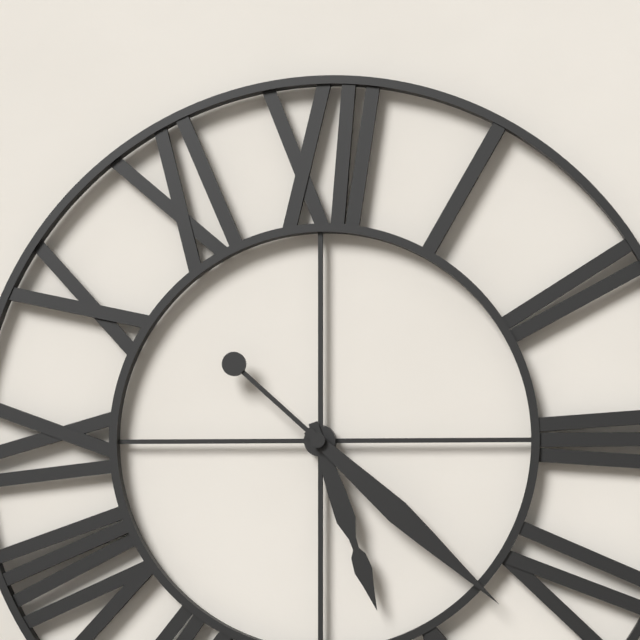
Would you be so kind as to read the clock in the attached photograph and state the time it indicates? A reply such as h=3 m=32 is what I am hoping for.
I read h=5 m=22
